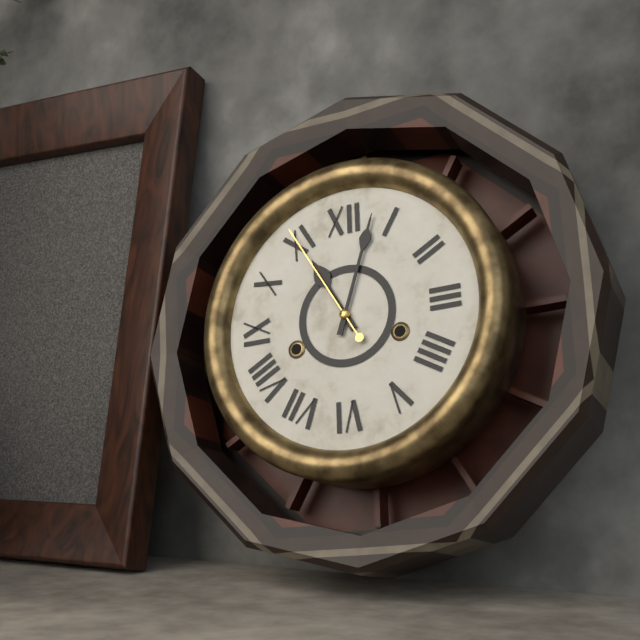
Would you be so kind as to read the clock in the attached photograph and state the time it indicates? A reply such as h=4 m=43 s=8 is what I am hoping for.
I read h=11 m=3 s=55
